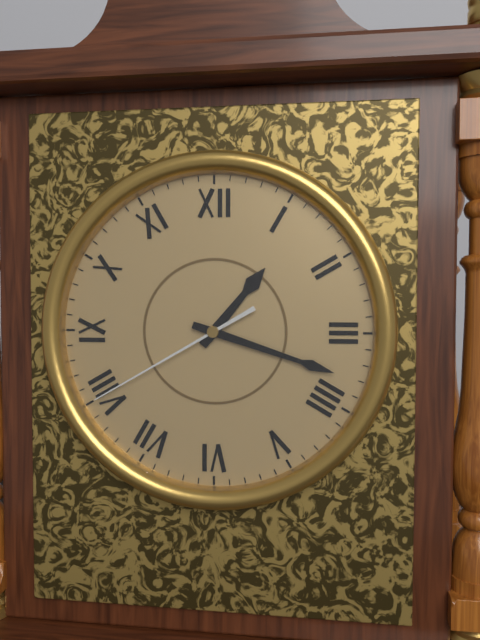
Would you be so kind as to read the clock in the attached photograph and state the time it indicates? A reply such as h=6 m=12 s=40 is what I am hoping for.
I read h=1 m=18 s=40
